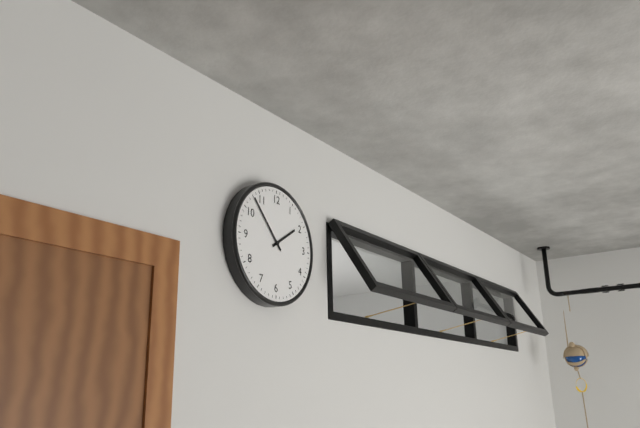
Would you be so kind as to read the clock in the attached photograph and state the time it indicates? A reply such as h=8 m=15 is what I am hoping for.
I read h=1 m=53
